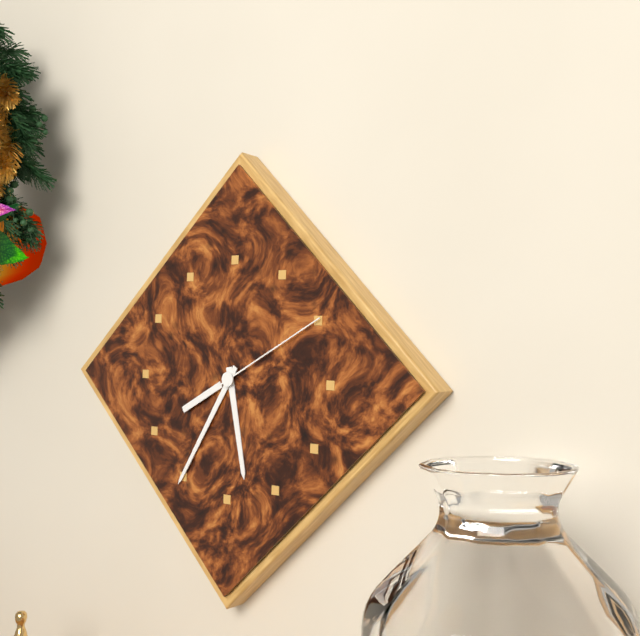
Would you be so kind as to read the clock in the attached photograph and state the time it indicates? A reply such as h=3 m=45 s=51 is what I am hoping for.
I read h=5 m=35 s=10
